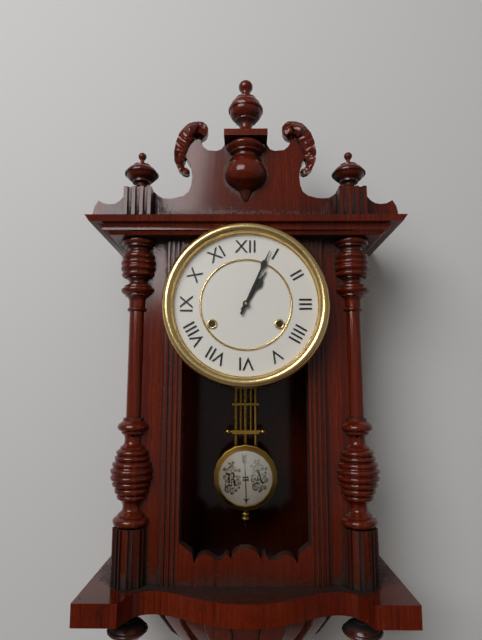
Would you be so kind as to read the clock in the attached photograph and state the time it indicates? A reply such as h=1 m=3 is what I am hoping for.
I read h=1 m=4
